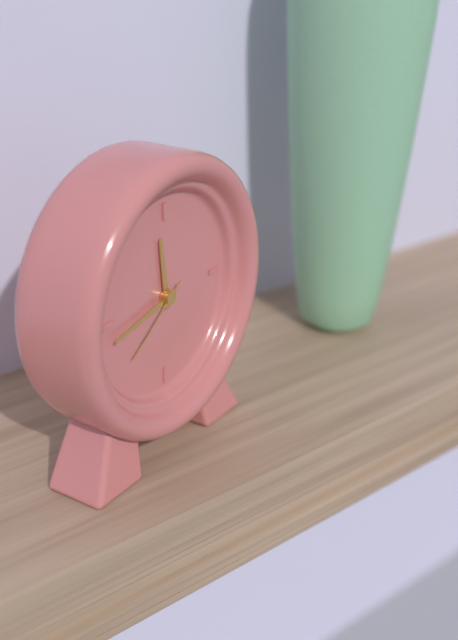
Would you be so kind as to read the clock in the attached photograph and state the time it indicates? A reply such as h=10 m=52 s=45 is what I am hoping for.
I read h=11 m=43 s=39
